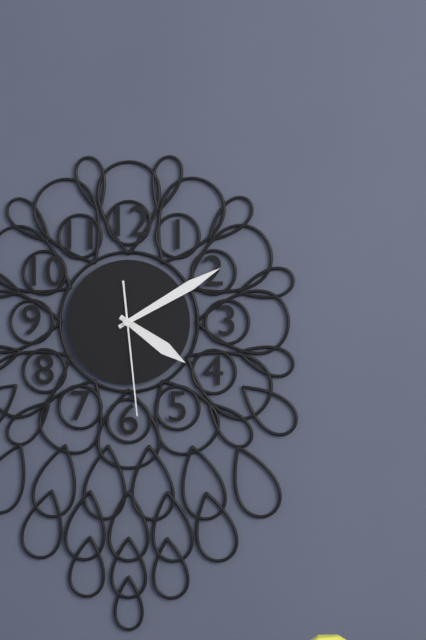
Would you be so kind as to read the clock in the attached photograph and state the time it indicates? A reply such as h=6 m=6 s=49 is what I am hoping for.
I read h=4 m=10 s=29
